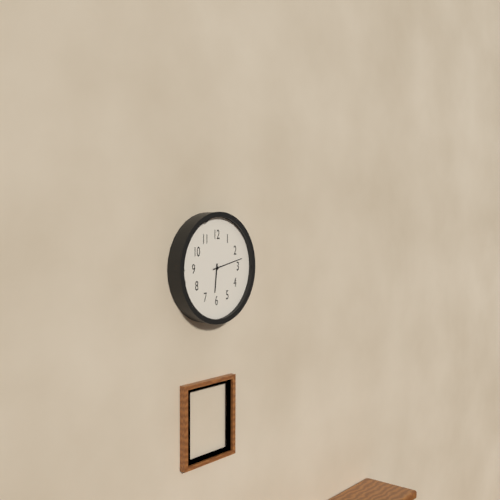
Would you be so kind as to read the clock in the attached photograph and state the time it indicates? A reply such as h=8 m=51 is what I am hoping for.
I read h=6 m=13
